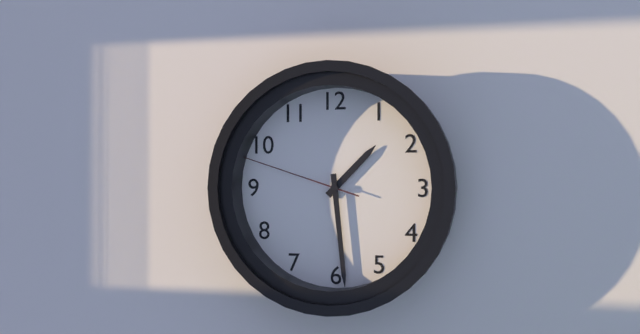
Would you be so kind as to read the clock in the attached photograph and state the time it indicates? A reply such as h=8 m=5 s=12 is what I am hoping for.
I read h=1 m=29 s=48
